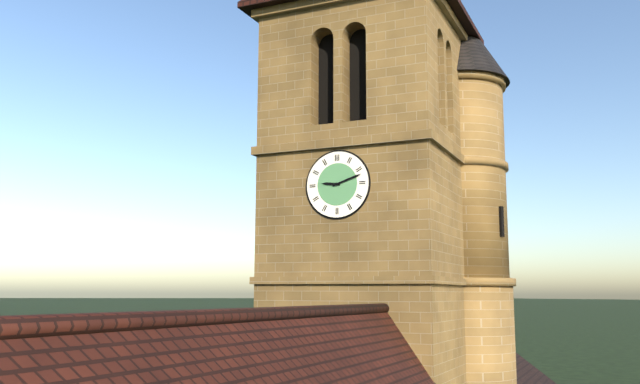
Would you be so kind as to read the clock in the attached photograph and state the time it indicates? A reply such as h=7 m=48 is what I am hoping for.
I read h=9 m=12
